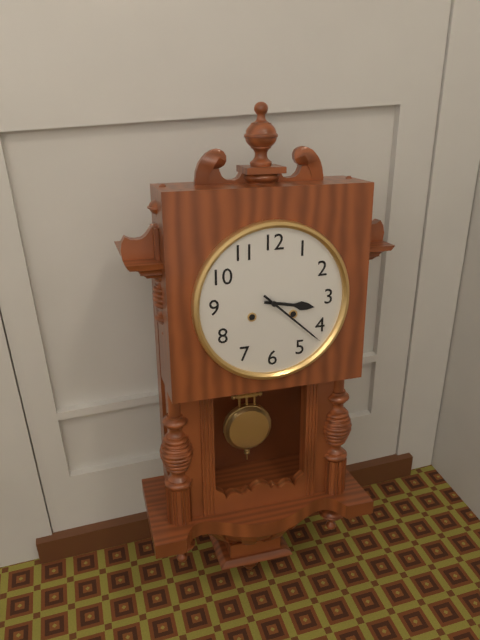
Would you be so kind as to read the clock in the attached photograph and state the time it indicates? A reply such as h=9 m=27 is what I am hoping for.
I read h=3 m=22
